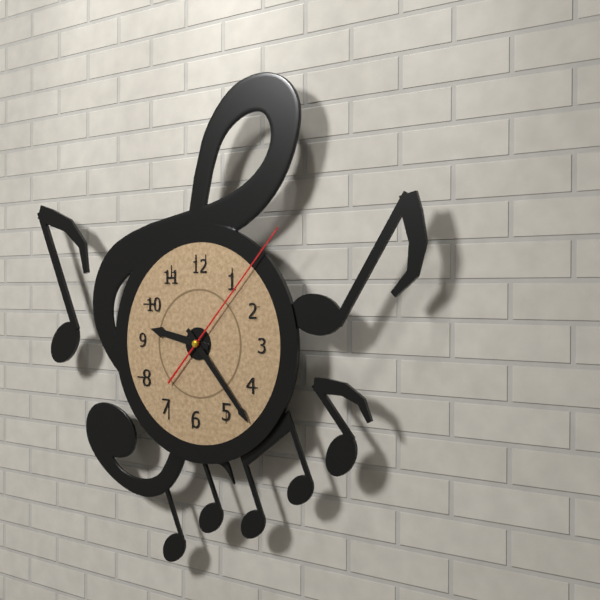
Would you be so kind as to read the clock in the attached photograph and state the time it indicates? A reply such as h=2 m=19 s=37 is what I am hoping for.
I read h=9 m=23 s=7
